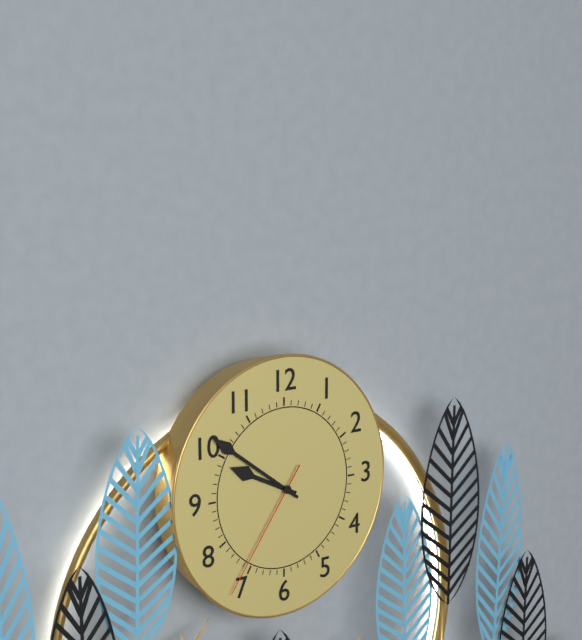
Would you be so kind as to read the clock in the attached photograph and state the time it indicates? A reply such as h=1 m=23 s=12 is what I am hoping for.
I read h=9 m=51 s=36
